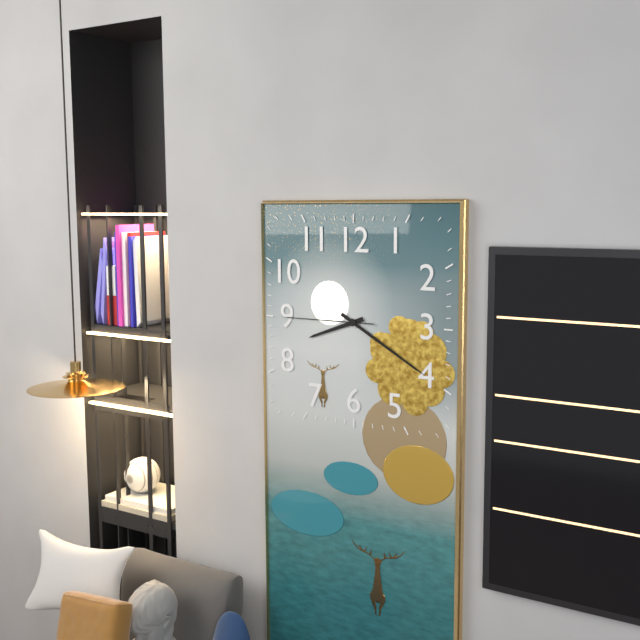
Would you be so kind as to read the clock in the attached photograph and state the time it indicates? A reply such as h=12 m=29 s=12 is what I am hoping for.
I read h=8 m=20 s=45
